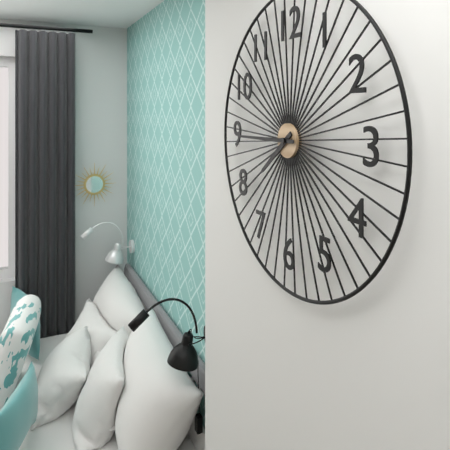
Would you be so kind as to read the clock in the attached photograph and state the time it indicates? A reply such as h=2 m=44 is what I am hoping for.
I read h=7 m=45
